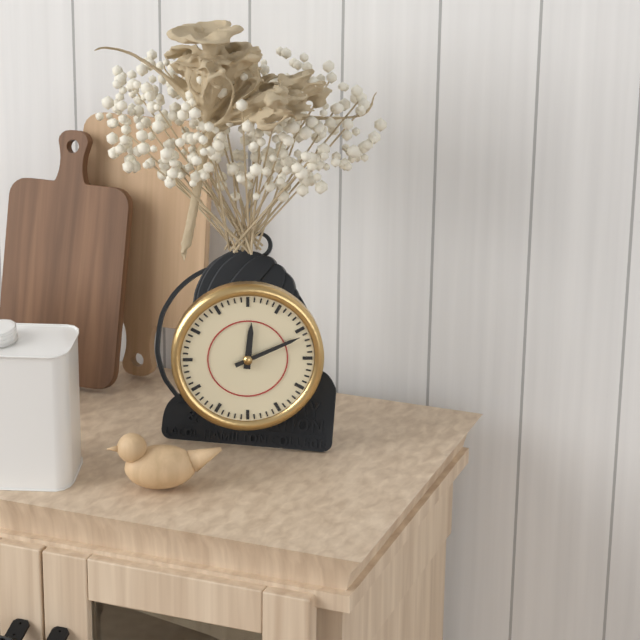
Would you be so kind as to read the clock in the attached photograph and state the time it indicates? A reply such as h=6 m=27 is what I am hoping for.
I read h=12 m=11
